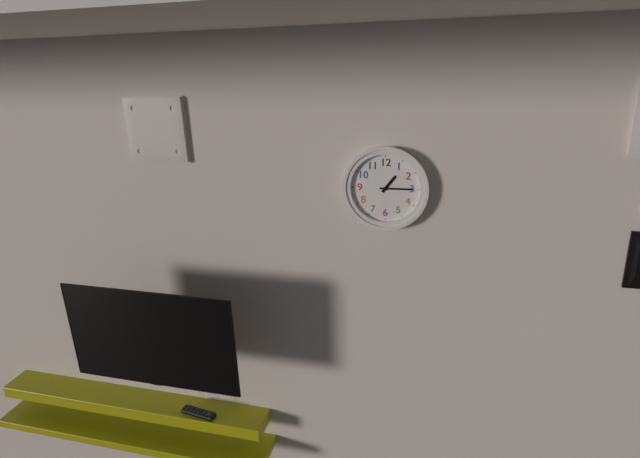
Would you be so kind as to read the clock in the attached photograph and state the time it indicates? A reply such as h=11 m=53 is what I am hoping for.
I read h=1 m=15
